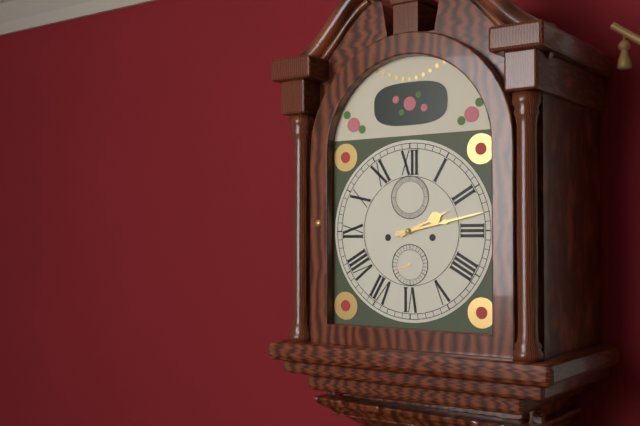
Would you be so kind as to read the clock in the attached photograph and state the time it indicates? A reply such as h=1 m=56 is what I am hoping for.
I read h=2 m=13
